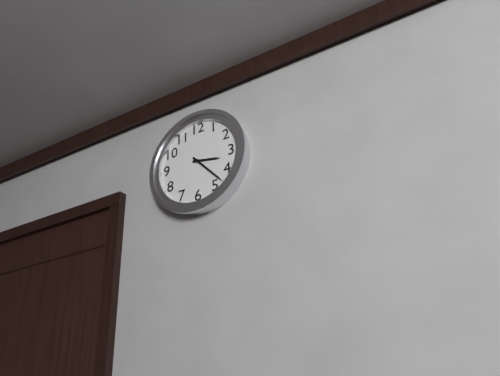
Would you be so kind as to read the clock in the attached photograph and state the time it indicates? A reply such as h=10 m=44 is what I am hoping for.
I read h=3 m=23
